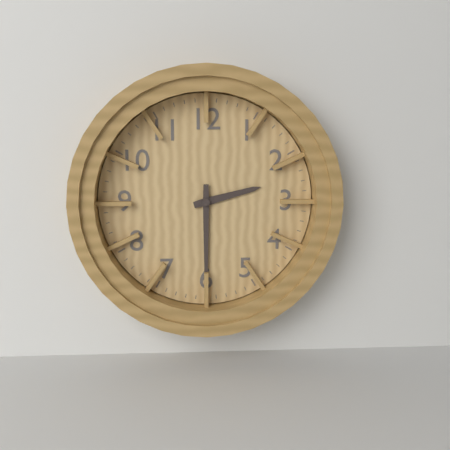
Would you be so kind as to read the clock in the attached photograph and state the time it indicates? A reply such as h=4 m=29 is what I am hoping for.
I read h=2 m=30
